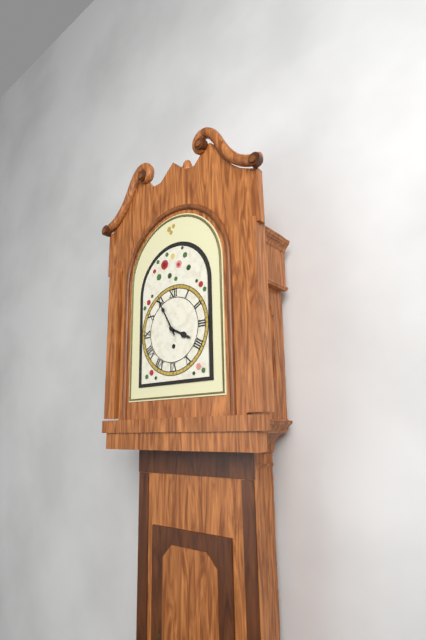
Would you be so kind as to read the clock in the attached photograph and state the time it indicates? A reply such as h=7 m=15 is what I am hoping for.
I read h=3 m=55
